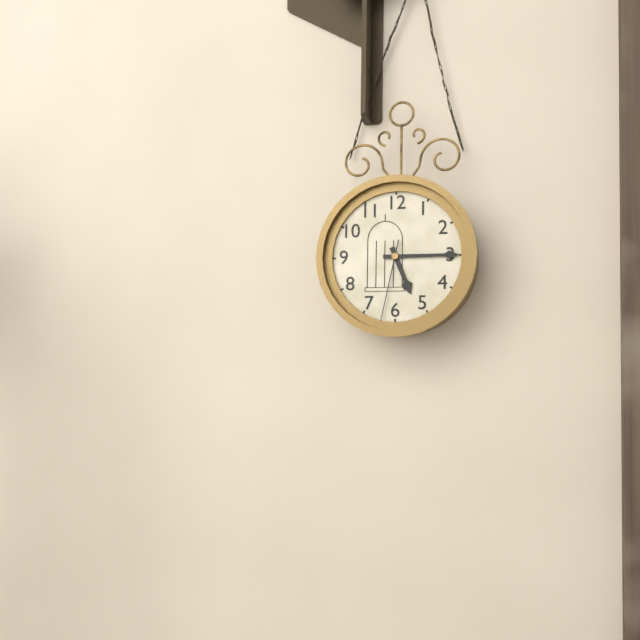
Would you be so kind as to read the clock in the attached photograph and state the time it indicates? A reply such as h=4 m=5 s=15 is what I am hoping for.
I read h=5 m=15 s=32
